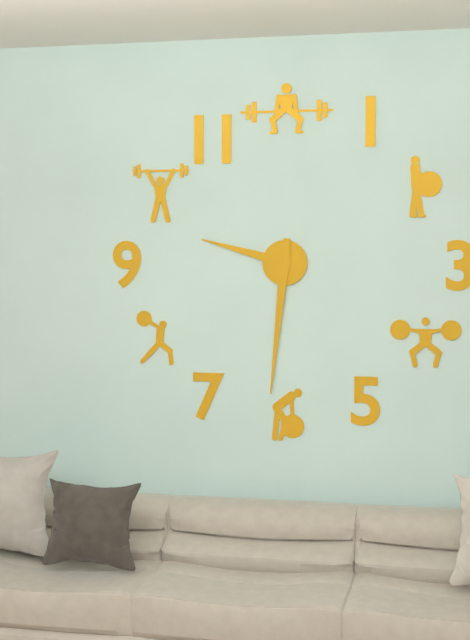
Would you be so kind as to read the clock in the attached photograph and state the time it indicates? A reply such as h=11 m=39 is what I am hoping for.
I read h=9 m=31
